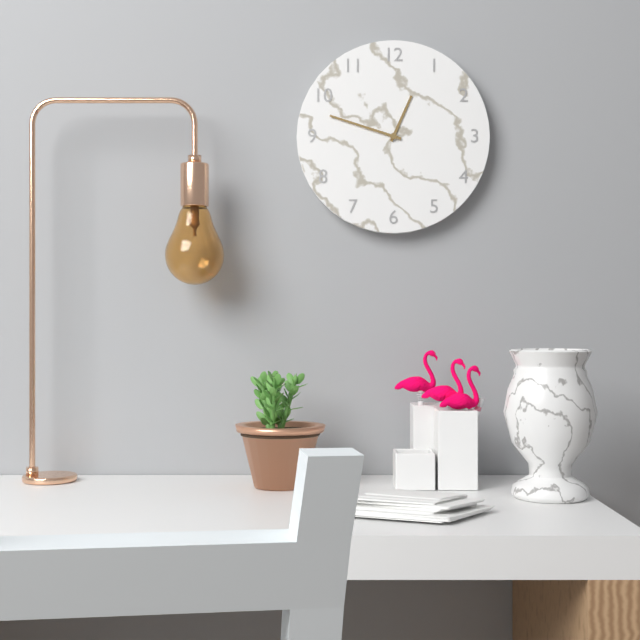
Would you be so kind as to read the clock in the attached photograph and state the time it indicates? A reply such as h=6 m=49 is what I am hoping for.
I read h=12 m=48
